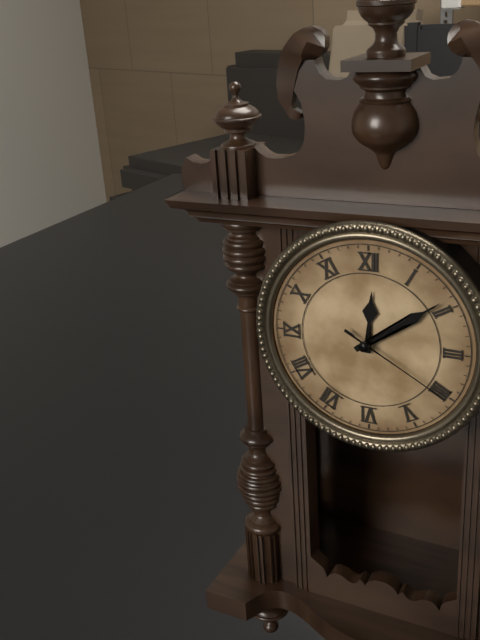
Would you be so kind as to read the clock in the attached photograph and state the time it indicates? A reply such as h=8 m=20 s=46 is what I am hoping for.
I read h=12 m=9 s=20
